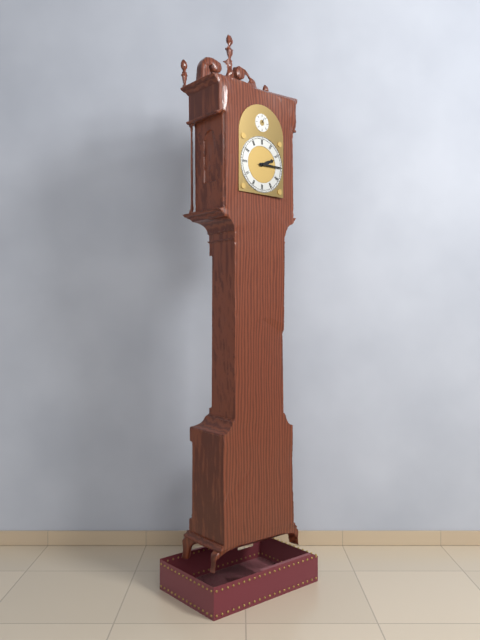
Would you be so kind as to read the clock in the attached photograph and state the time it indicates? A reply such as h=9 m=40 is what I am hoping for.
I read h=2 m=15
